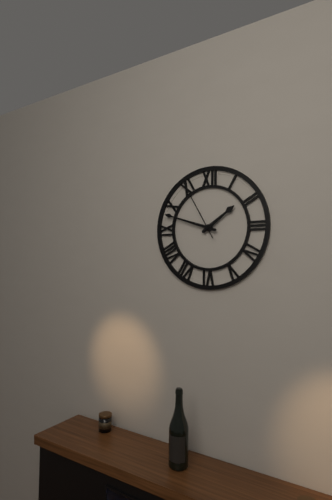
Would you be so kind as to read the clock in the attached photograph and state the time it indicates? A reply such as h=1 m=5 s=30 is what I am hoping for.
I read h=1 m=48 s=55
